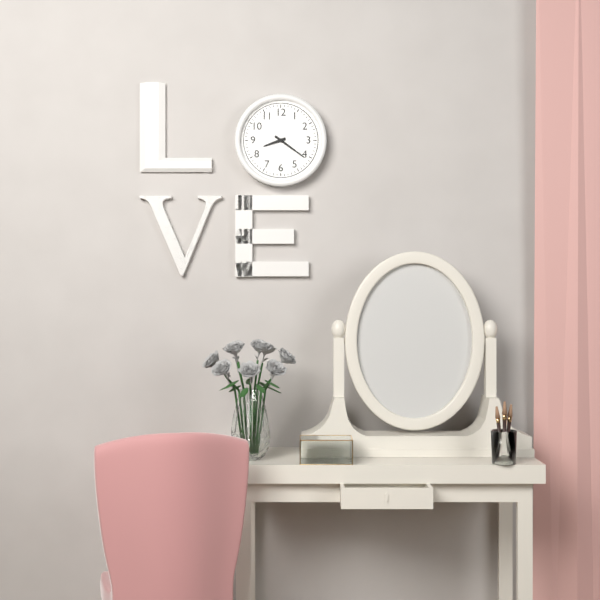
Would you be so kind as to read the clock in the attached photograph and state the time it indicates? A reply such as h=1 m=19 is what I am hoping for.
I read h=8 m=21
